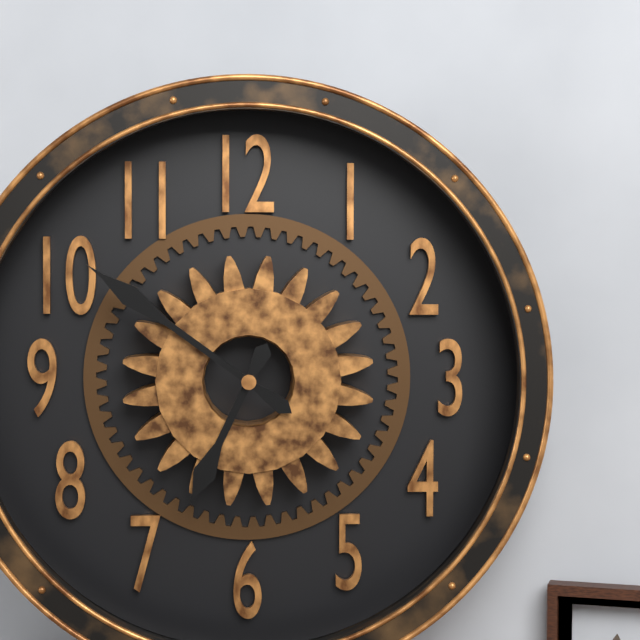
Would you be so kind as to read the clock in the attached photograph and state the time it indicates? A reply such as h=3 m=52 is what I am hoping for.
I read h=6 m=51
